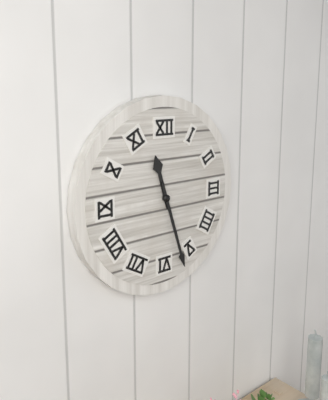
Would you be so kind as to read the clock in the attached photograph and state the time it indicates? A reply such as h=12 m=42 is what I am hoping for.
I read h=11 m=27
